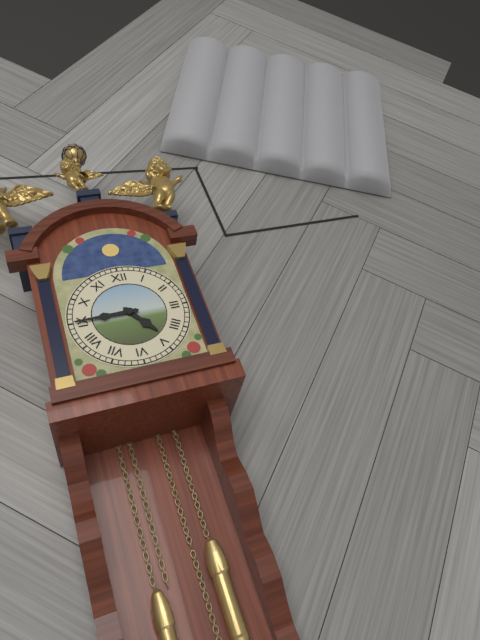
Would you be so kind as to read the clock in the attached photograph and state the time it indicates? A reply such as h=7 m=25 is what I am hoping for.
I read h=4 m=45
